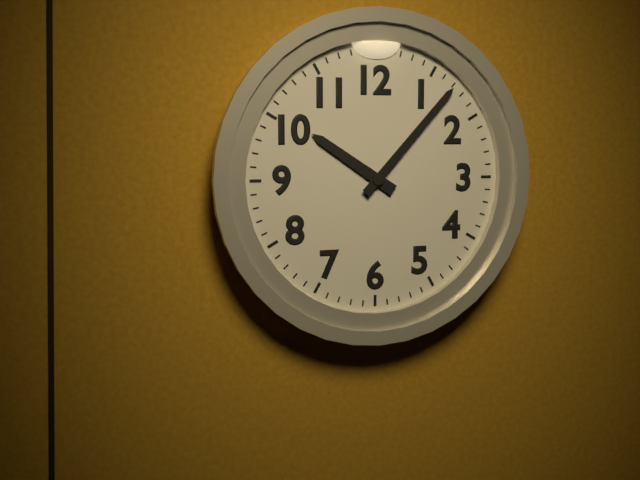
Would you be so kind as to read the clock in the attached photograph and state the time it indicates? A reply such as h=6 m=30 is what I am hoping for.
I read h=10 m=7
